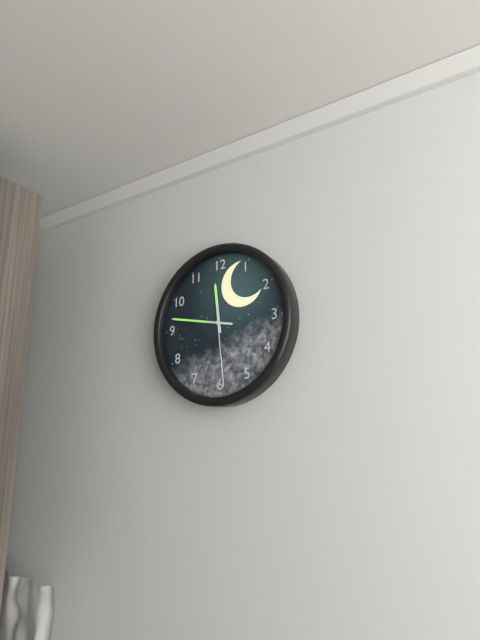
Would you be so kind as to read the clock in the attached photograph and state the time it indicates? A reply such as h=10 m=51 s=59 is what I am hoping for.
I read h=11 m=47 s=29
